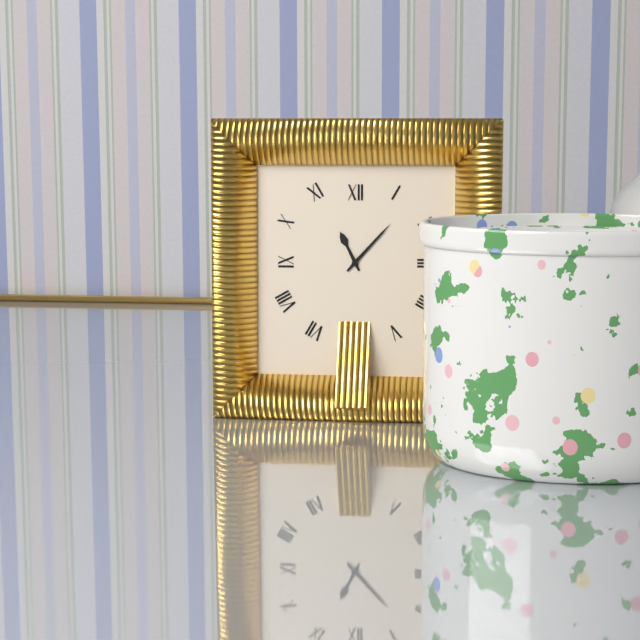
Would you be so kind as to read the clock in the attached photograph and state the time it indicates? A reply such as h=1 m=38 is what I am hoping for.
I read h=11 m=7
